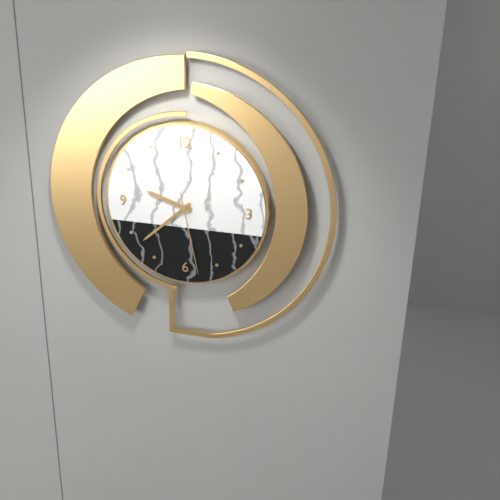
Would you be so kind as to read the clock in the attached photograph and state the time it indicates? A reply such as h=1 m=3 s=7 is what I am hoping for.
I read h=9 m=38 s=28
